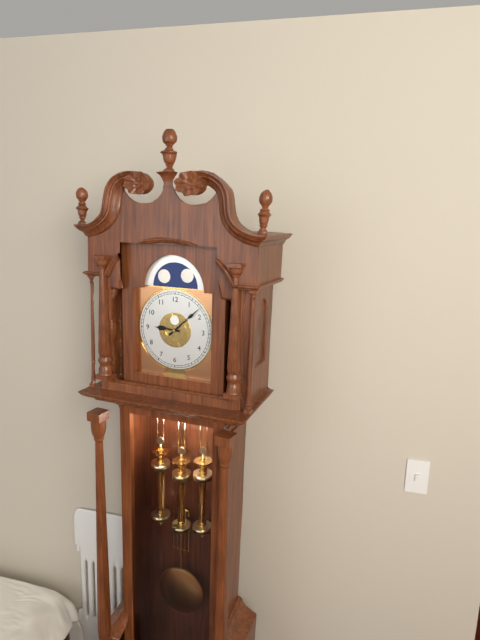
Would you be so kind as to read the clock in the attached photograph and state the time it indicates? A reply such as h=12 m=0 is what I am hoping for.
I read h=9 m=8
